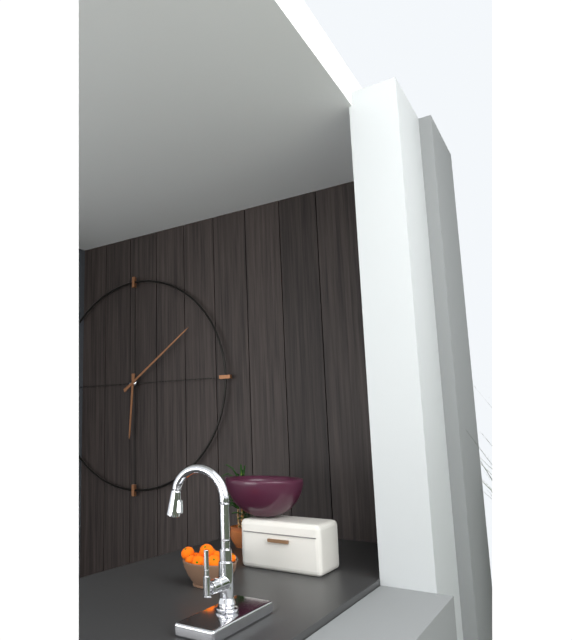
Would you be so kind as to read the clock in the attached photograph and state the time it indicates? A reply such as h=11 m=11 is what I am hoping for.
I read h=6 m=9
